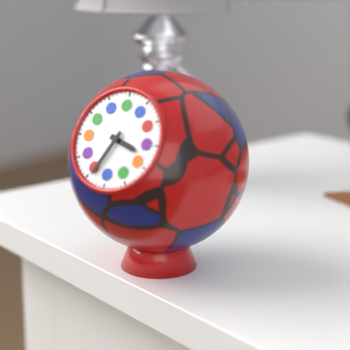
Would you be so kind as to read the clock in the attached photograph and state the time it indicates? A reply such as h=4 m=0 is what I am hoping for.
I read h=3 m=34
